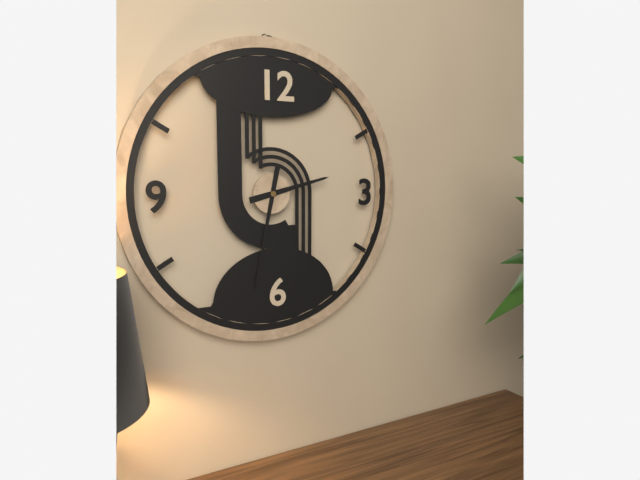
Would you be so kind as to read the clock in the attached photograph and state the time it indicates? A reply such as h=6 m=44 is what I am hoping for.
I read h=2 m=32
